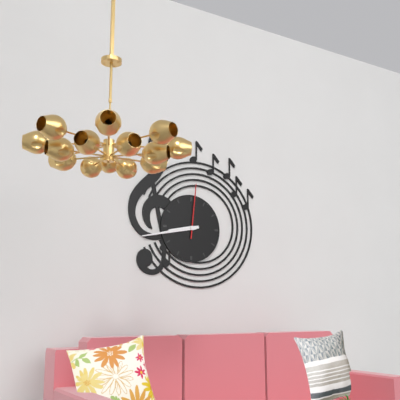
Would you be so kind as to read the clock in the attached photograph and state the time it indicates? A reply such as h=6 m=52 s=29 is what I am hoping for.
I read h=8 m=43 s=1
